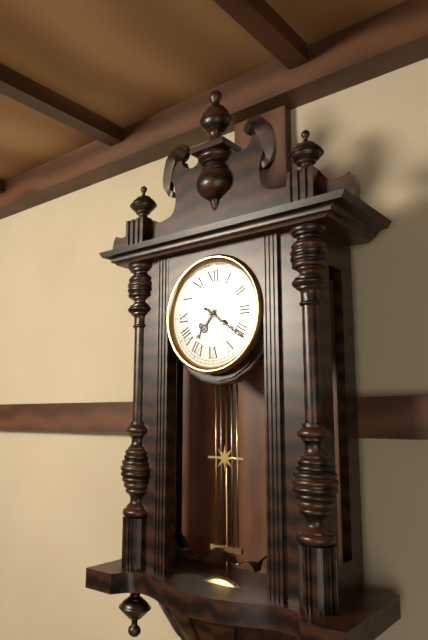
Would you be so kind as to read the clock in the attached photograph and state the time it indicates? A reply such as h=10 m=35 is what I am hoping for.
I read h=7 m=21
